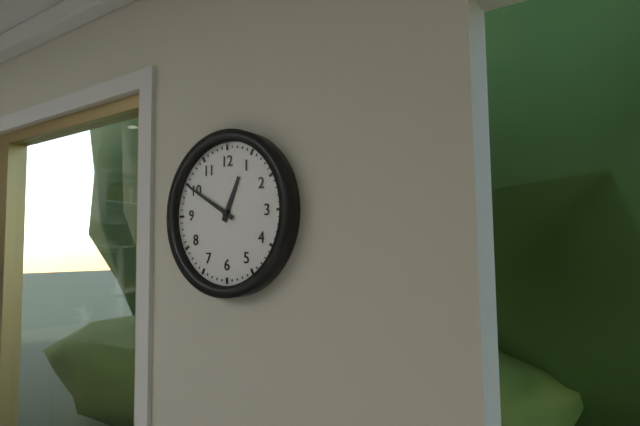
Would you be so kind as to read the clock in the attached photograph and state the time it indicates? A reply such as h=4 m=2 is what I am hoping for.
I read h=12 m=50
